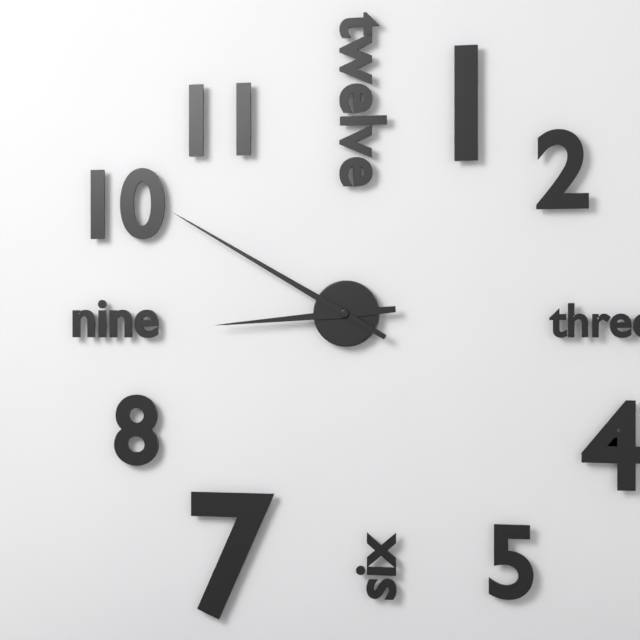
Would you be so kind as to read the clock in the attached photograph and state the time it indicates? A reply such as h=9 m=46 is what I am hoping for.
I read h=8 m=50
